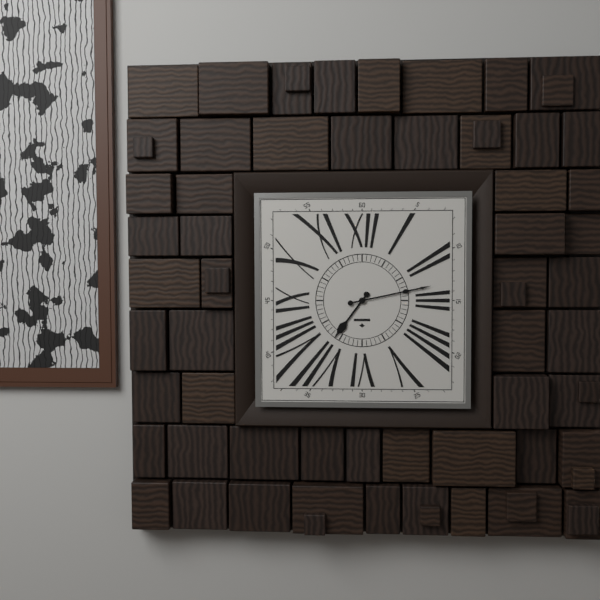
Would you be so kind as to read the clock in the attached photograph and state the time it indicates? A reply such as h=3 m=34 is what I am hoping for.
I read h=7 m=13
